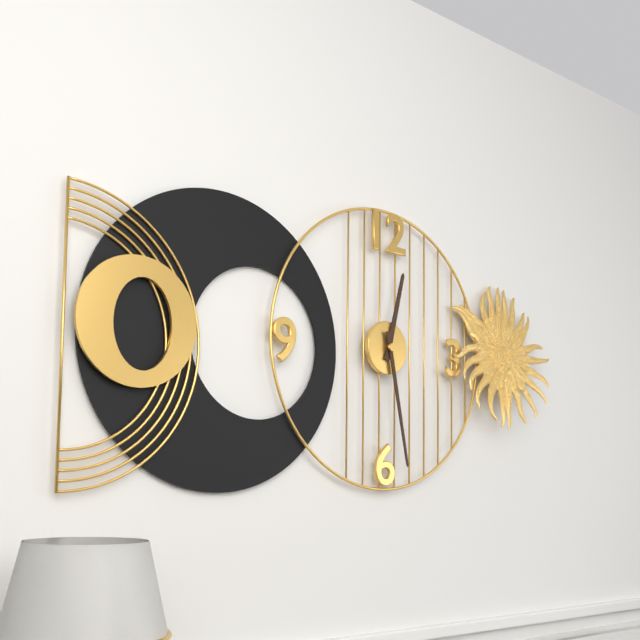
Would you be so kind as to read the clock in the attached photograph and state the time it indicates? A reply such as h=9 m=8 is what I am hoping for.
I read h=12 m=28
